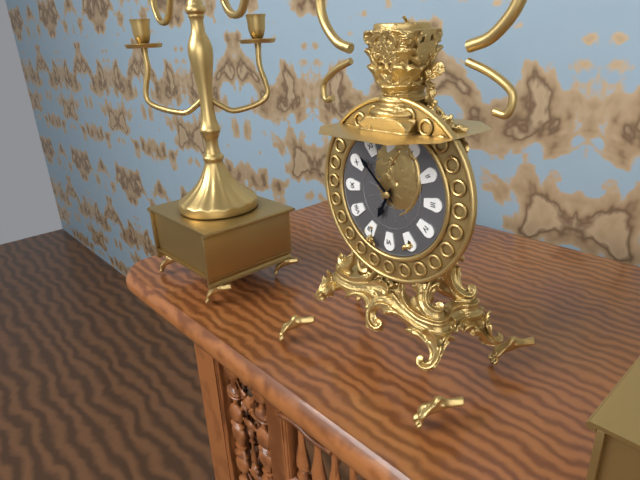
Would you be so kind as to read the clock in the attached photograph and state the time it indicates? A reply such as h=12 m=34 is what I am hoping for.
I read h=6 m=52
